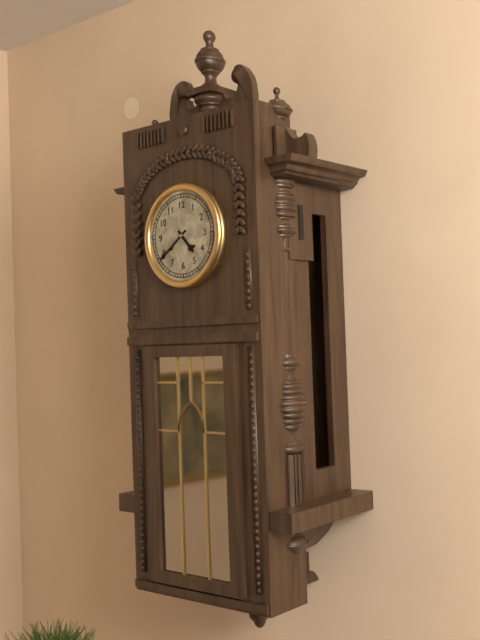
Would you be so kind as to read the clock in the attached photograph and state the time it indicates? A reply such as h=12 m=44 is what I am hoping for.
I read h=4 m=39
